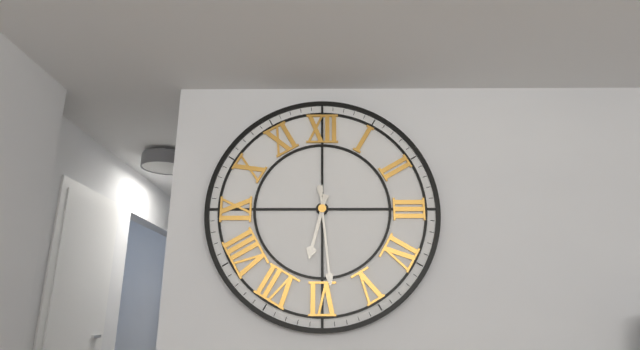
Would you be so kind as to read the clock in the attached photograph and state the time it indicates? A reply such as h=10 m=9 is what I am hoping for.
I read h=6 m=29
